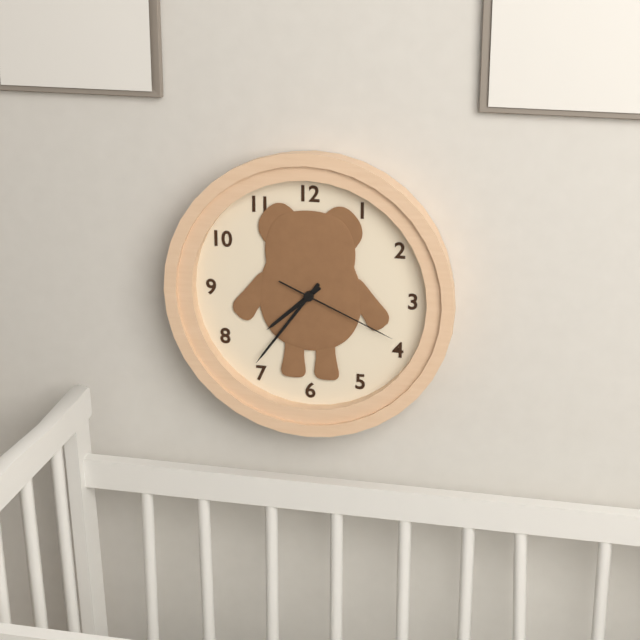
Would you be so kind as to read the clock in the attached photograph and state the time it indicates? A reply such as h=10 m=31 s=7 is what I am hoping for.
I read h=7 m=36 s=19
